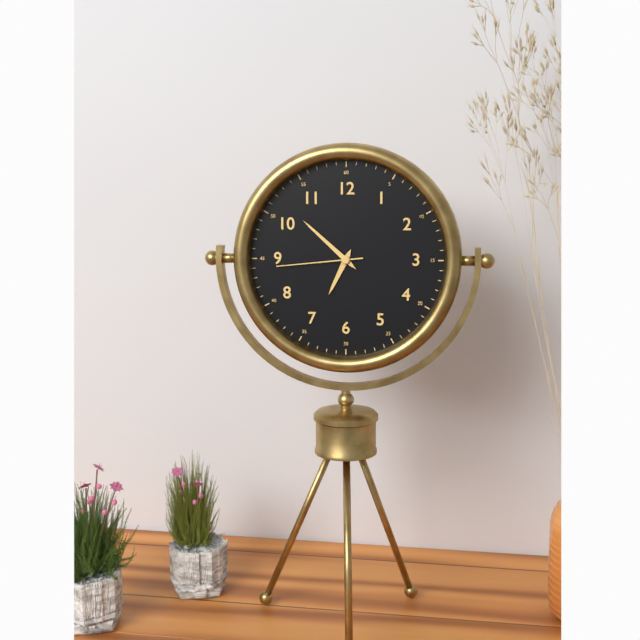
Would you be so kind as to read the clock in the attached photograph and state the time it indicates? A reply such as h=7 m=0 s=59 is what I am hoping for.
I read h=6 m=52 s=44
